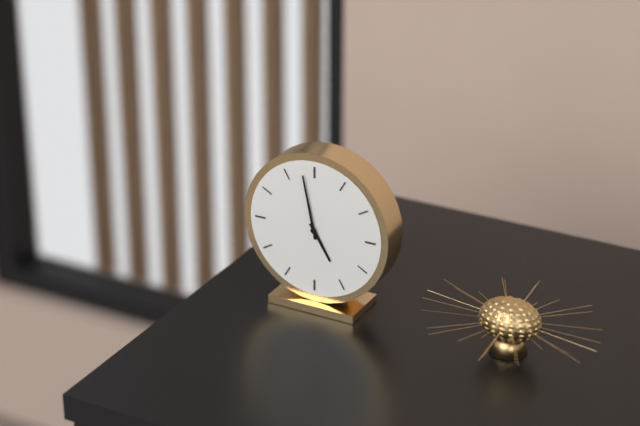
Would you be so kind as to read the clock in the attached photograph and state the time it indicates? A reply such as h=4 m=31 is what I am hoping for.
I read h=4 m=58
